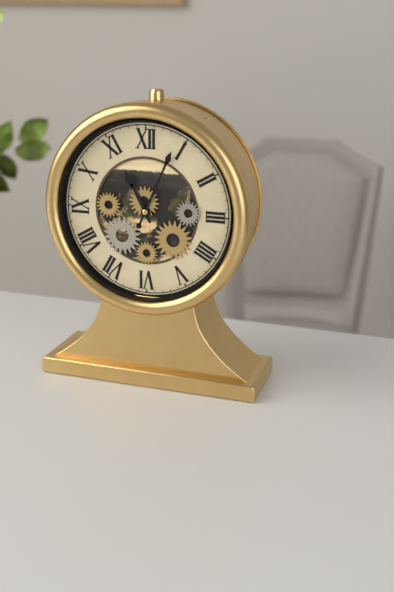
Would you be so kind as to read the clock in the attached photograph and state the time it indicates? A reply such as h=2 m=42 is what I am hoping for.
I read h=11 m=4
